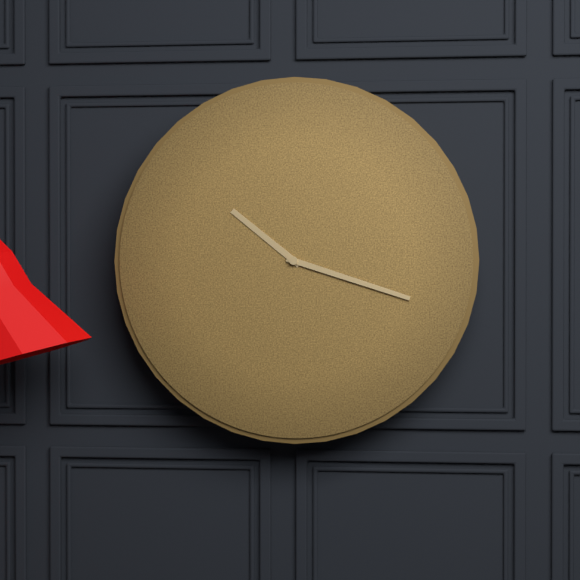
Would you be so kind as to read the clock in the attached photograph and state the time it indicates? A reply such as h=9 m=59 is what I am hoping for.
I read h=10 m=18
